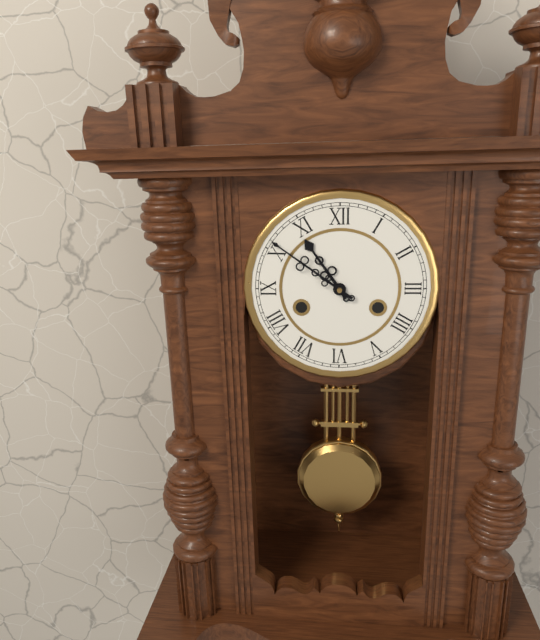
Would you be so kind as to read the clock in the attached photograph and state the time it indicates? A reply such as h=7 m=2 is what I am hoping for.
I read h=10 m=51
